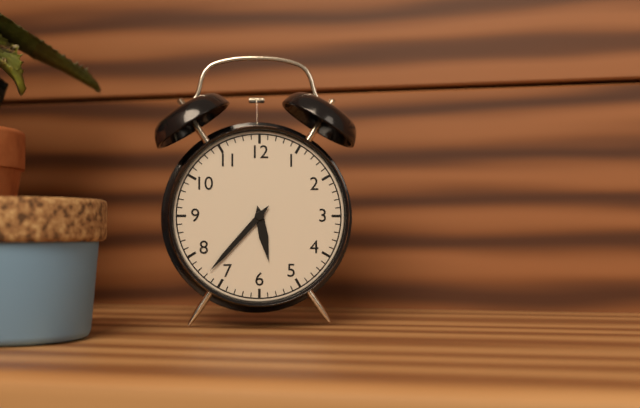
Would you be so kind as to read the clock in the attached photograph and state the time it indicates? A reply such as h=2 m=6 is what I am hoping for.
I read h=5 m=37
